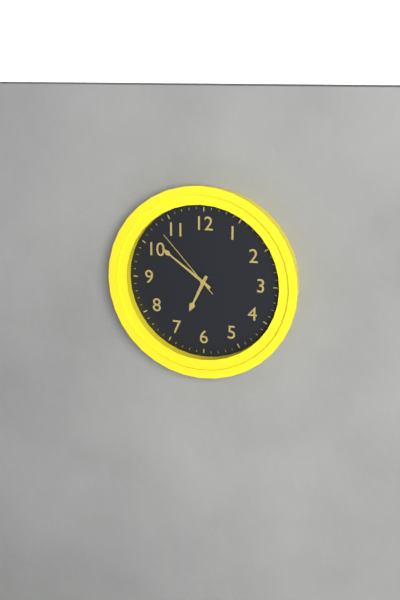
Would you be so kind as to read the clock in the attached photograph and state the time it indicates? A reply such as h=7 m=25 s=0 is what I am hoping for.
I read h=6 m=51 s=53
